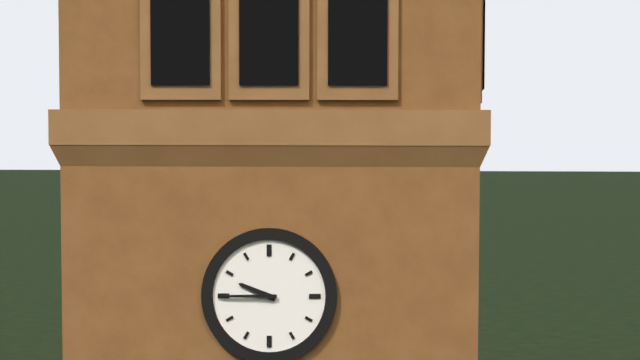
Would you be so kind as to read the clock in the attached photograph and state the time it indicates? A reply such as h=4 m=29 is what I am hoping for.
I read h=9 m=45
